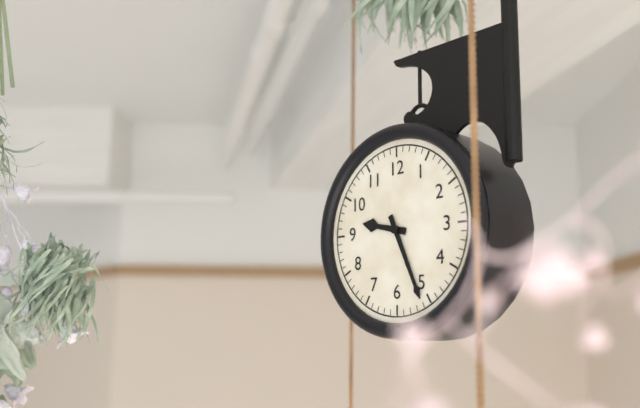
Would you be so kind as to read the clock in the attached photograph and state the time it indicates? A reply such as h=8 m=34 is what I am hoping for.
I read h=9 m=26
